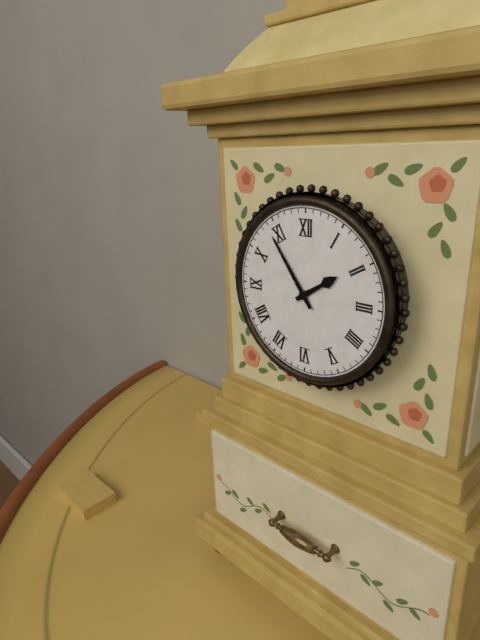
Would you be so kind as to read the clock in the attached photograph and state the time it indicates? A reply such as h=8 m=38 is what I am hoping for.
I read h=1 m=54
